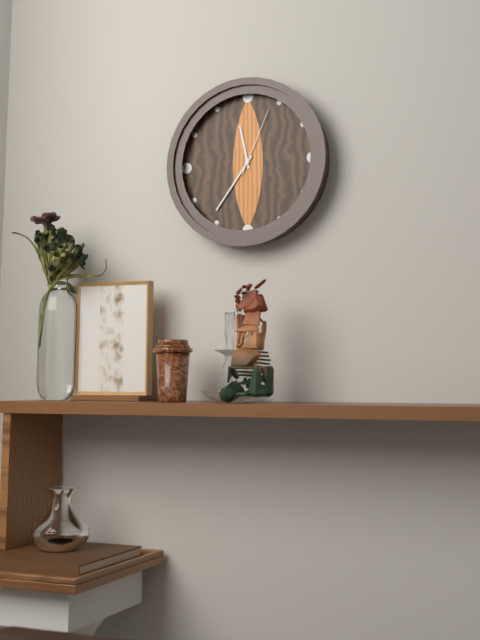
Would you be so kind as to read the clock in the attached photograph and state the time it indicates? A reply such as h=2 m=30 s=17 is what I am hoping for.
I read h=11 m=36 s=4
